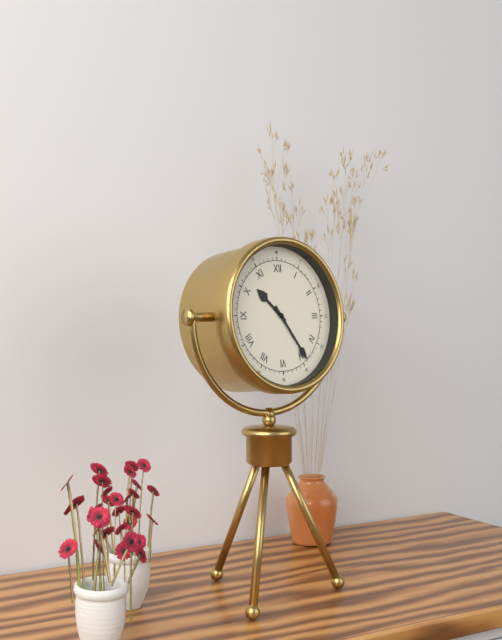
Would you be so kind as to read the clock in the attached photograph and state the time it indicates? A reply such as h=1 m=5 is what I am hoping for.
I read h=10 m=24
